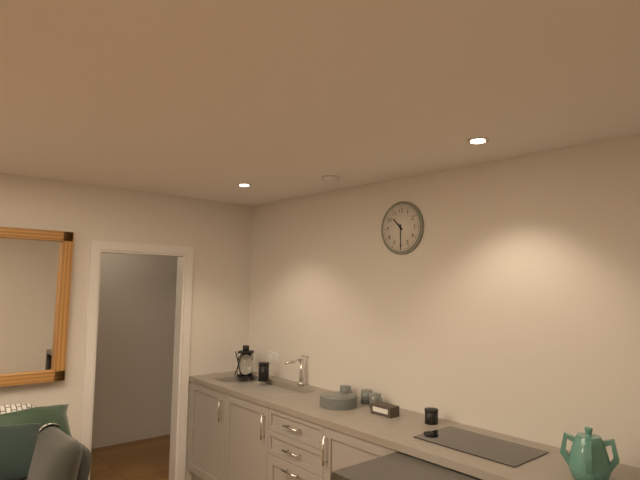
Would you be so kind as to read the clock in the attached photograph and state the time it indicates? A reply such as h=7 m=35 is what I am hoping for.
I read h=10 m=30
